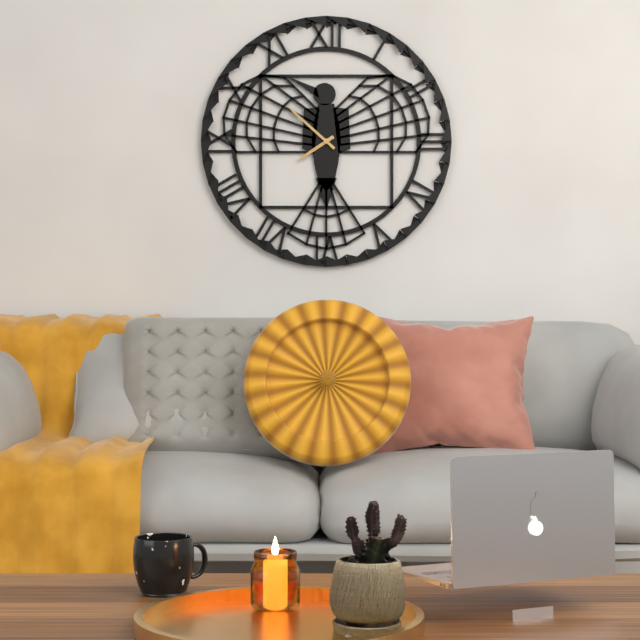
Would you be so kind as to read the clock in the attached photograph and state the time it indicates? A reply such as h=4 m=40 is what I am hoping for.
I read h=7 m=52
